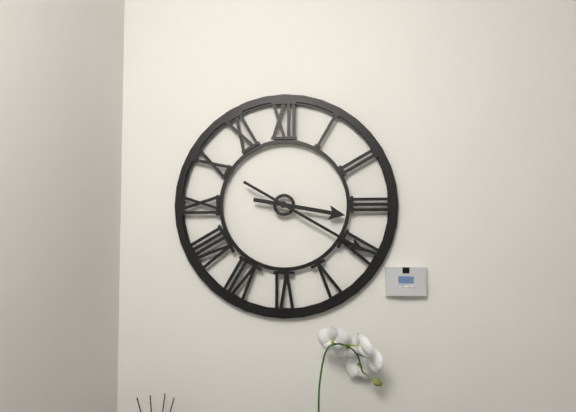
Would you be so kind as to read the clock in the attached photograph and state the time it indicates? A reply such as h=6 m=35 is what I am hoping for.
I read h=3 m=20
